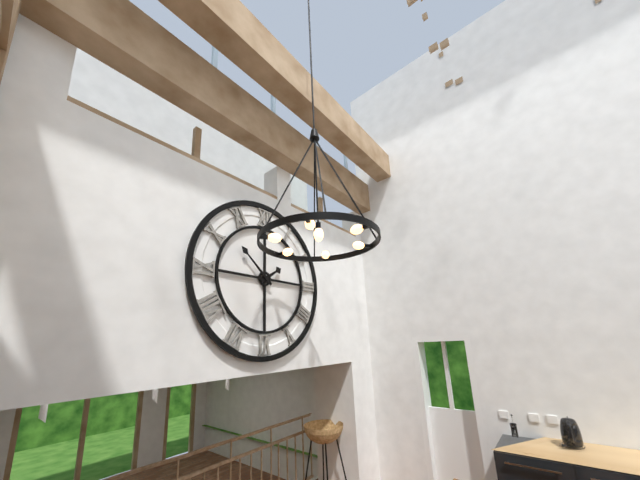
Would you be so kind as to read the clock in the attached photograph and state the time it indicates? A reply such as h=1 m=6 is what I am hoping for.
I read h=1 m=52
